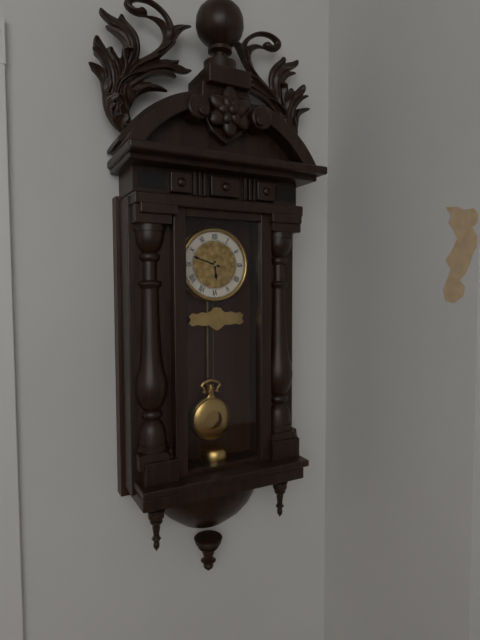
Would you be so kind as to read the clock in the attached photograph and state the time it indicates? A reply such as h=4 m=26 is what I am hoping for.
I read h=5 m=48
